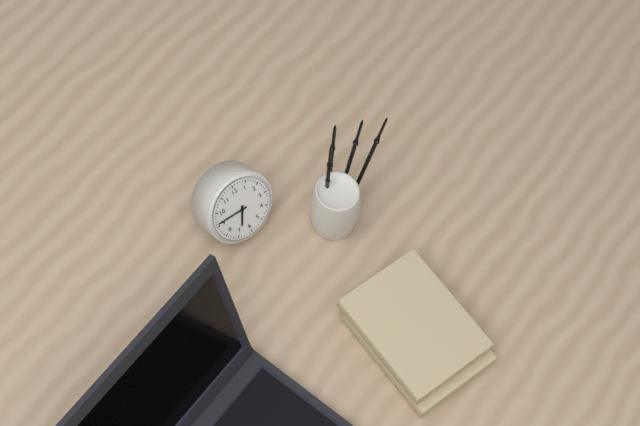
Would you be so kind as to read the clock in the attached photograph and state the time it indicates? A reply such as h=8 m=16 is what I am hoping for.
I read h=6 m=46
